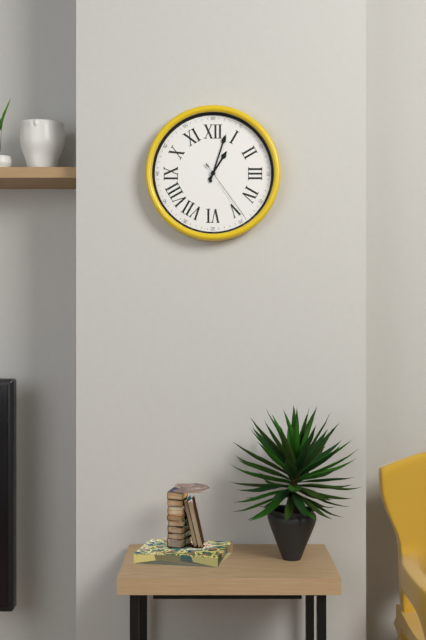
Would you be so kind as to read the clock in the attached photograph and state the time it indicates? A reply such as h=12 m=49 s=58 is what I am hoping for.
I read h=1 m=3 s=24
